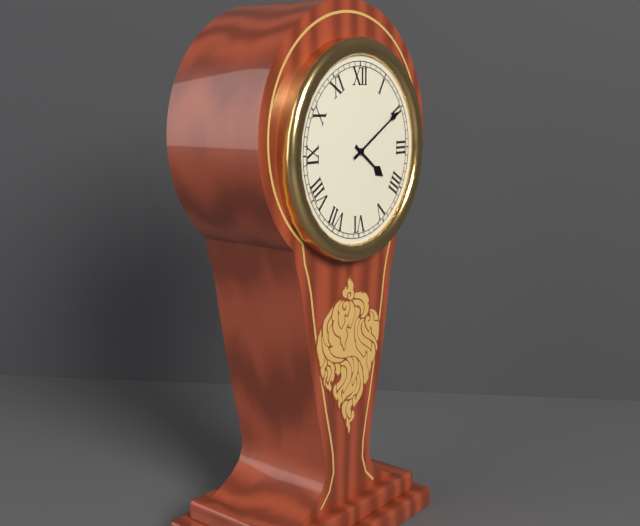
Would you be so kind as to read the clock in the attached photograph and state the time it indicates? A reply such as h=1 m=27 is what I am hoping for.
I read h=4 m=10
